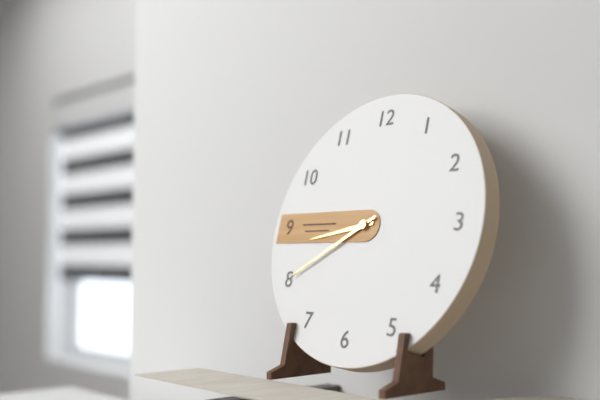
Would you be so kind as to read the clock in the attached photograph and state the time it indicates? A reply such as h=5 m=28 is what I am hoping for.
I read h=8 m=40
